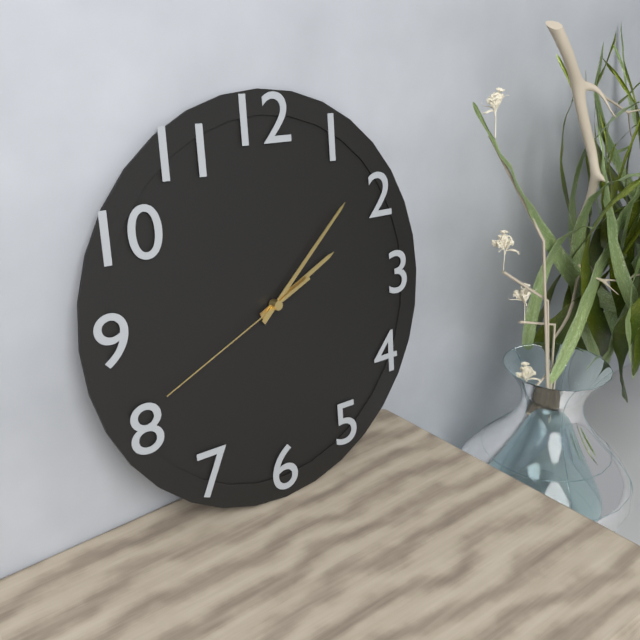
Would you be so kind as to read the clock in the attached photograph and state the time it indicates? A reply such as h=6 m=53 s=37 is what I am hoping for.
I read h=2 m=8 s=41
